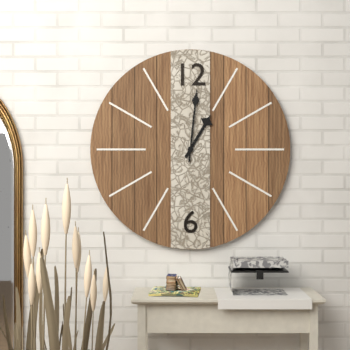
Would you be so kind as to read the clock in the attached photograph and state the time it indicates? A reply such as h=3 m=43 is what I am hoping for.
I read h=1 m=1
